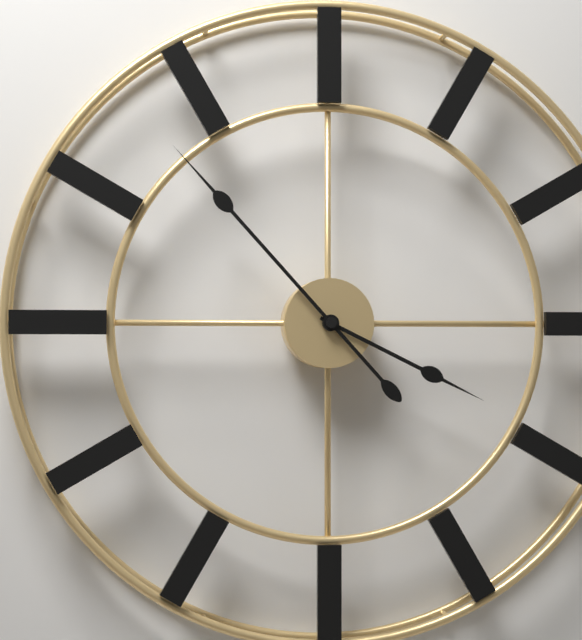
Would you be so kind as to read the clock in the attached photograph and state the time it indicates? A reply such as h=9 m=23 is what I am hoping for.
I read h=3 m=53
